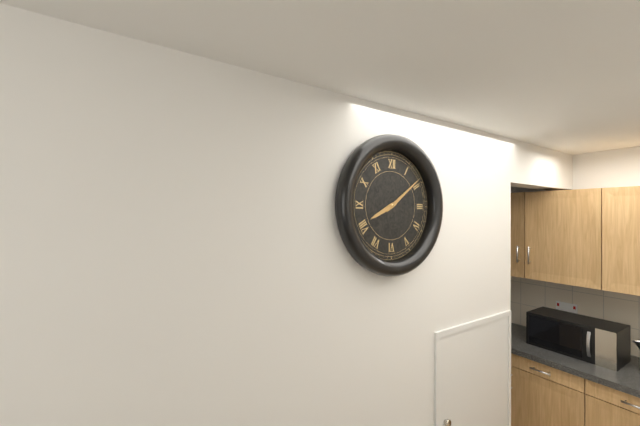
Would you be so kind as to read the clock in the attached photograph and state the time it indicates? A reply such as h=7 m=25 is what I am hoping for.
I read h=8 m=9
